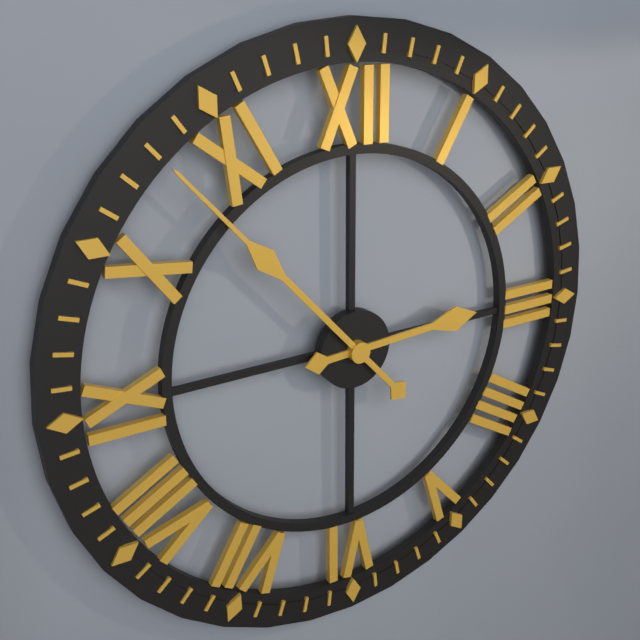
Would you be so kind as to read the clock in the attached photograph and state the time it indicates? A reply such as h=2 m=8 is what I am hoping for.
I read h=2 m=53
